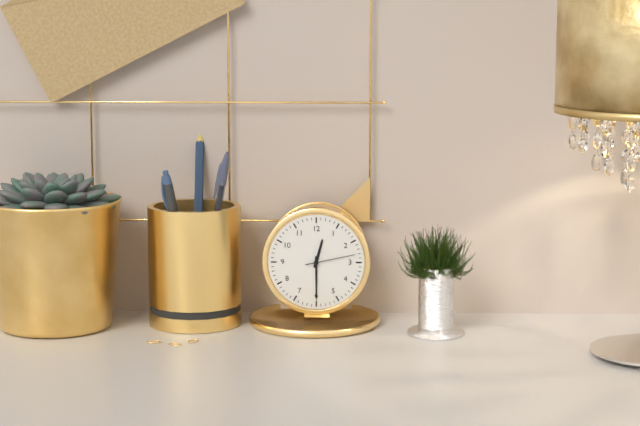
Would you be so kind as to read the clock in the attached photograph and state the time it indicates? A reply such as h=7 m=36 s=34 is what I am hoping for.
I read h=12 m=30 s=13
